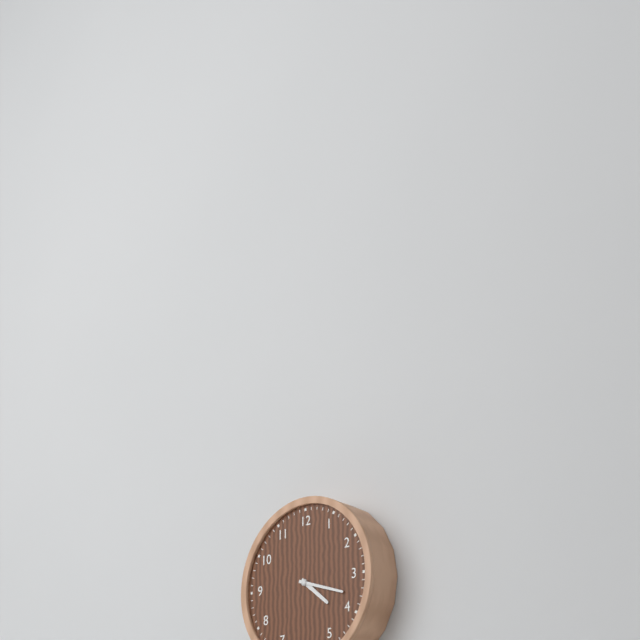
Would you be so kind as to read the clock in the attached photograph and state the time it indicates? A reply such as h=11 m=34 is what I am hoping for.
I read h=4 m=18
